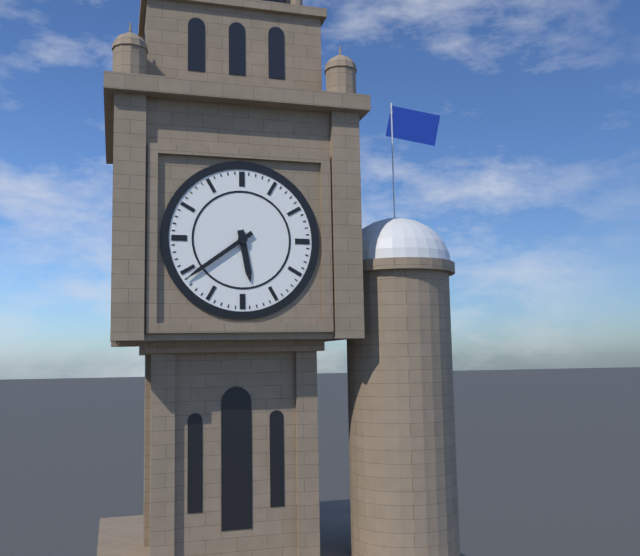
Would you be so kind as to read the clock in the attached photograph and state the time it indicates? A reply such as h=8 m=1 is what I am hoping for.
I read h=5 m=39
